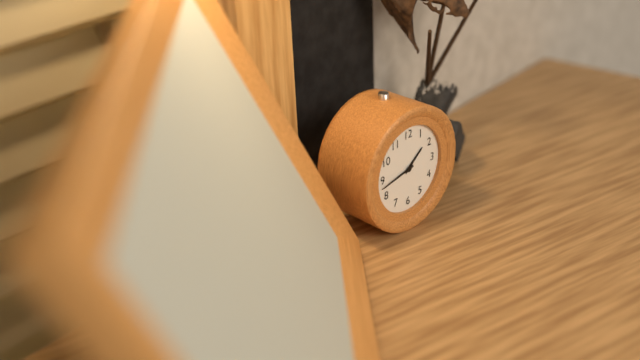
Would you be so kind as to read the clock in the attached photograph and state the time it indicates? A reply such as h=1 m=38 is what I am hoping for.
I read h=1 m=43
